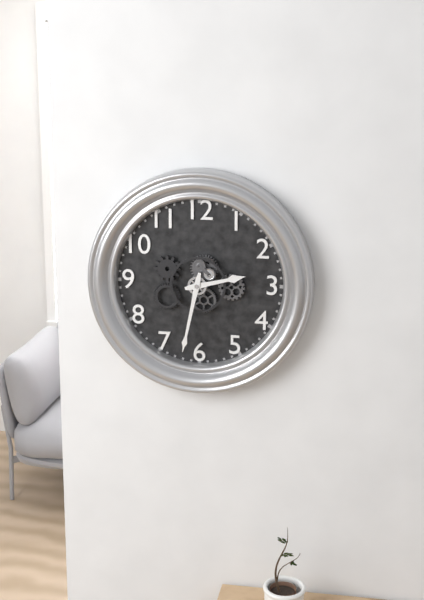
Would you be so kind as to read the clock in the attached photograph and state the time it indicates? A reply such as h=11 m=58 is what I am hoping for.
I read h=2 m=32
